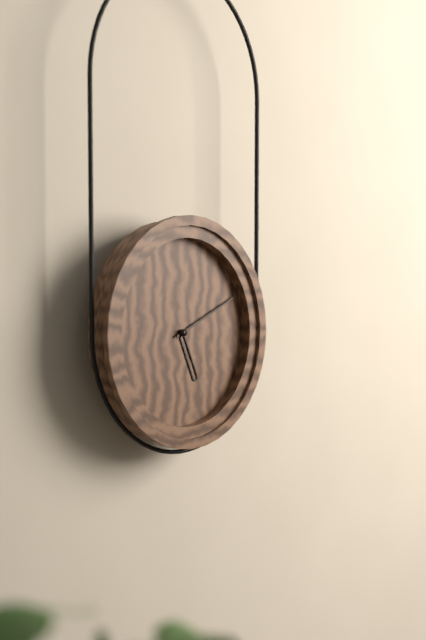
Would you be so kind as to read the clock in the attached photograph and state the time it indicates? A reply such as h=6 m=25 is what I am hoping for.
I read h=5 m=11
